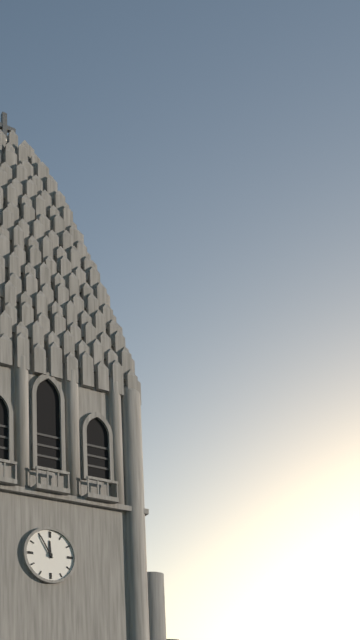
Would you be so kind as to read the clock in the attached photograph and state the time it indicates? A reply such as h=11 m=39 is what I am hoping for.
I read h=11 m=55
